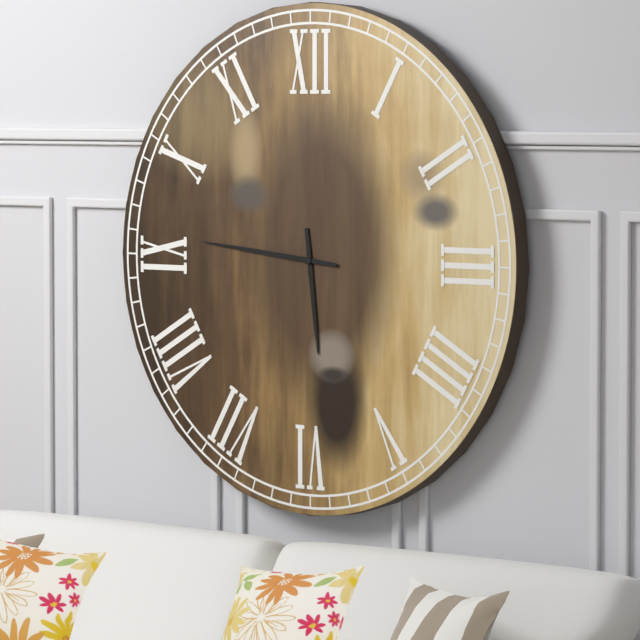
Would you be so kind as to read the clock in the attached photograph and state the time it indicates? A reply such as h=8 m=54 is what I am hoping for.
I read h=5 m=46
